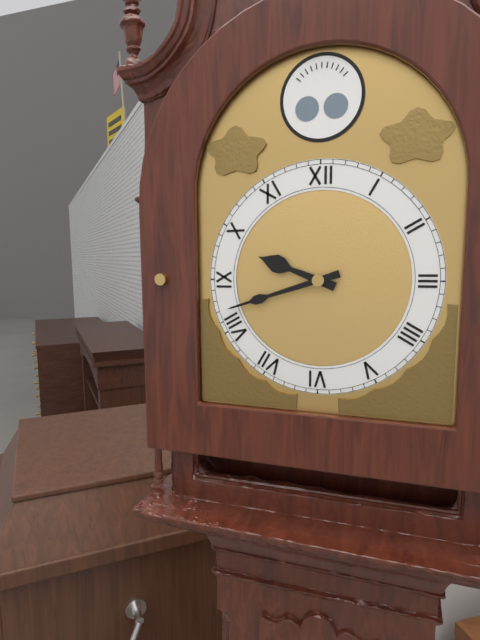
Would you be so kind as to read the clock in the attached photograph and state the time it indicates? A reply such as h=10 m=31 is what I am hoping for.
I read h=9 m=42
